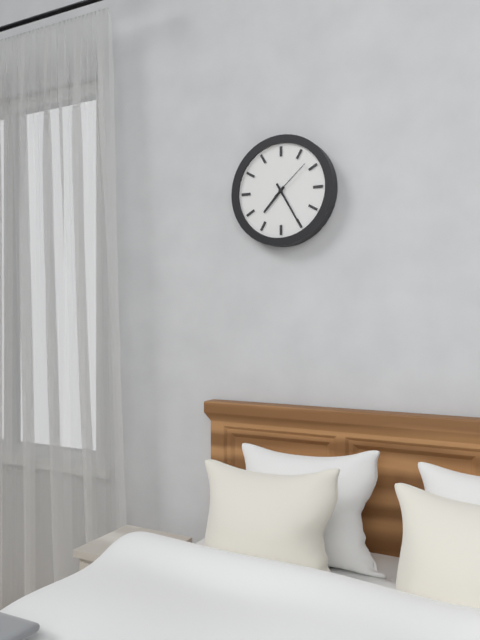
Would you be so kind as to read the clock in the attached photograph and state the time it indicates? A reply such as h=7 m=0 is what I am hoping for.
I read h=7 m=25
